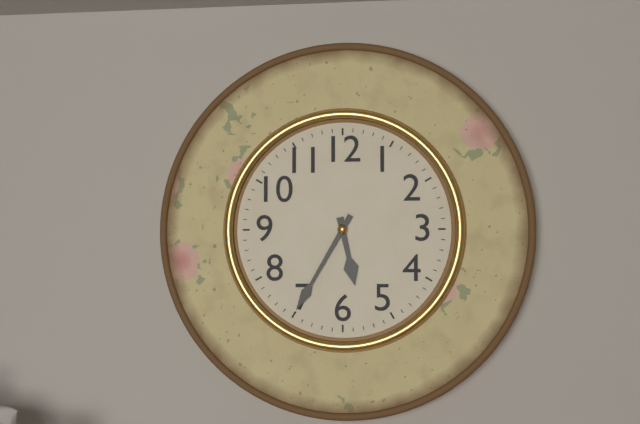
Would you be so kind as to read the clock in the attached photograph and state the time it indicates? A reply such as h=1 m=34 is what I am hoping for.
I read h=5 m=35
